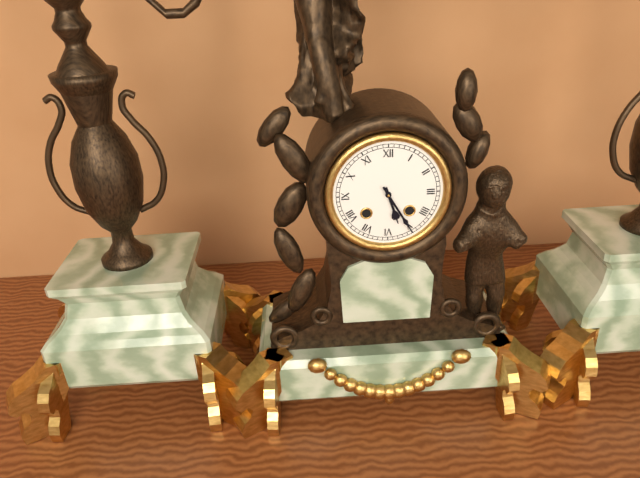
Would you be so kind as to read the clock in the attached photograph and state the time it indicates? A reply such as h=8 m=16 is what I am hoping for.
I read h=5 m=25
